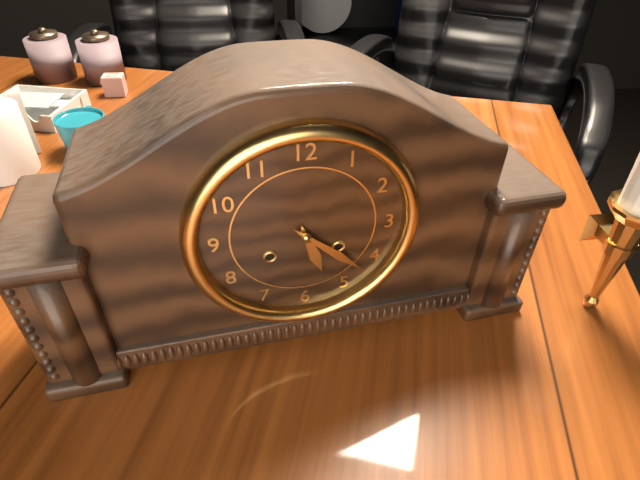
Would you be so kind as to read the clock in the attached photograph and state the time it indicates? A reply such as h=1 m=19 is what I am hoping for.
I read h=5 m=22
